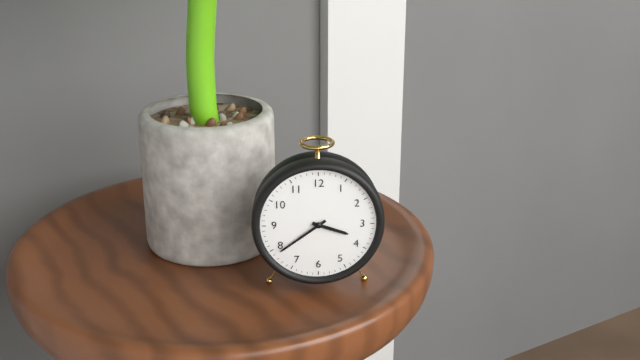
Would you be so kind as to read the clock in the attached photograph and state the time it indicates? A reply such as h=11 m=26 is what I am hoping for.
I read h=3 m=39
